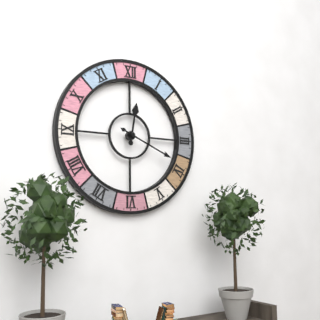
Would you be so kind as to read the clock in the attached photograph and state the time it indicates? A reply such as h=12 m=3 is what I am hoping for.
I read h=12 m=19
